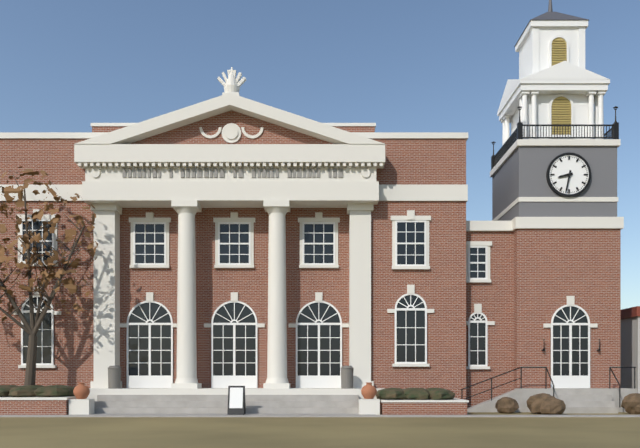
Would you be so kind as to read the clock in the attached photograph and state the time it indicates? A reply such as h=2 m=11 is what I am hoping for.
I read h=8 m=32
